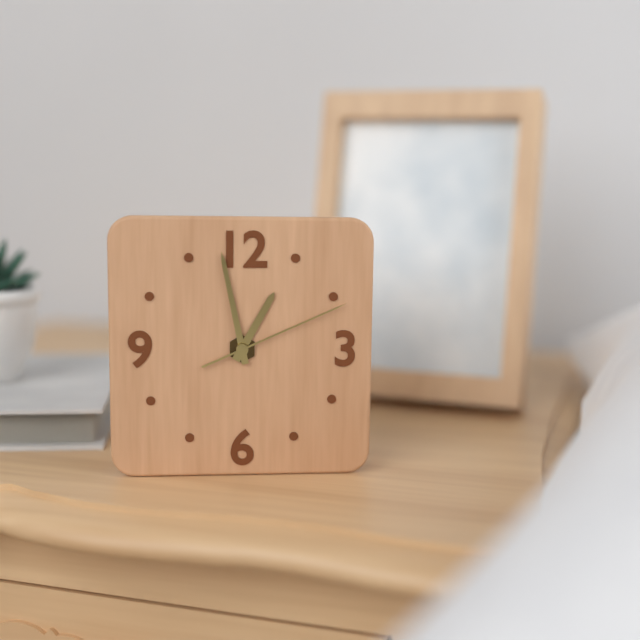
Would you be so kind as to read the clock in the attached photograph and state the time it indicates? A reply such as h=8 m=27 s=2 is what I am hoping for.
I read h=12 m=58 s=11
